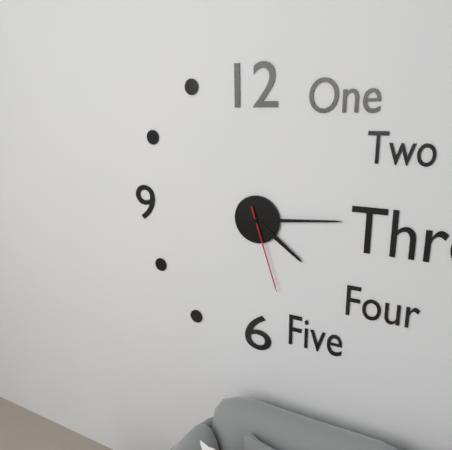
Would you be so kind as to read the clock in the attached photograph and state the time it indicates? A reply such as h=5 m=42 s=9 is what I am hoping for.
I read h=4 m=14 s=27
